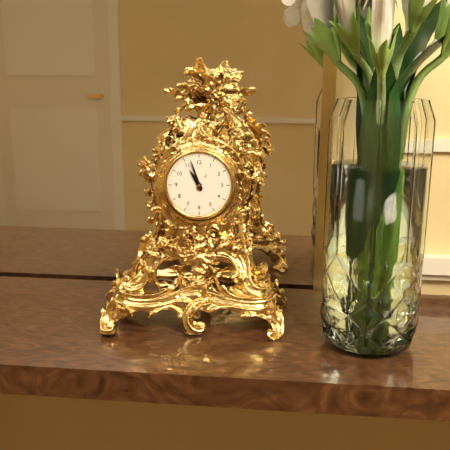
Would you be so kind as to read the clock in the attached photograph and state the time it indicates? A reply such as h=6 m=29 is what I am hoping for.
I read h=10 m=57
